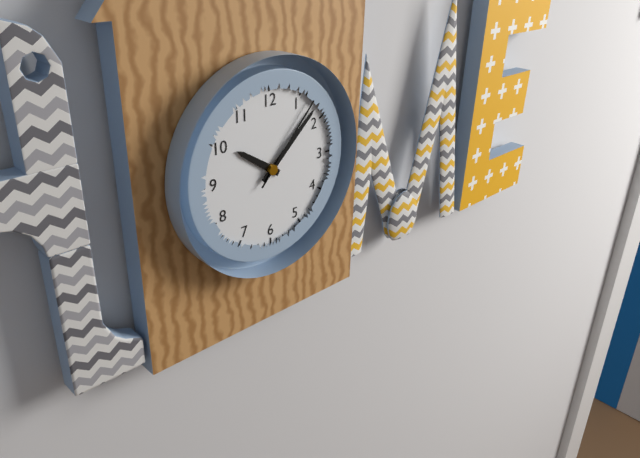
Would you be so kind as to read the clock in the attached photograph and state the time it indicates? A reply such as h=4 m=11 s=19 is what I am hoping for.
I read h=10 m=8 s=7
